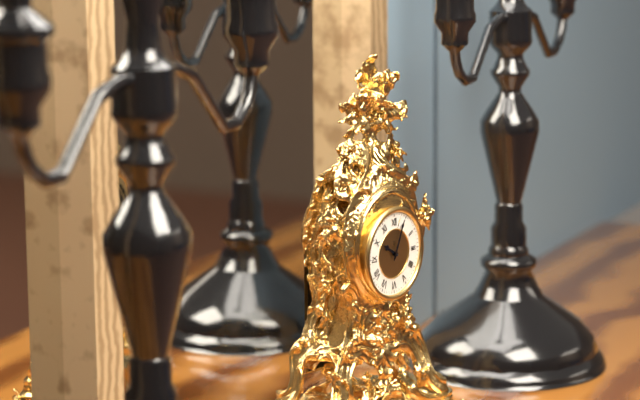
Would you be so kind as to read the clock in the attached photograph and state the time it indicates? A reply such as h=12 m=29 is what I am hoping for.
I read h=10 m=4
